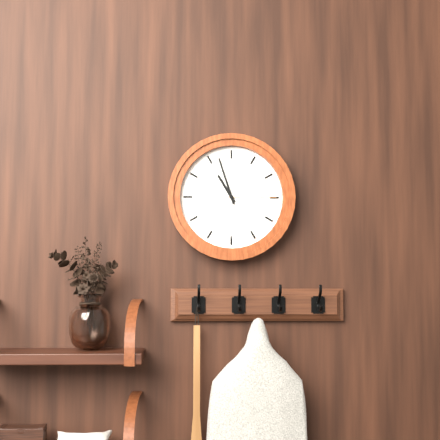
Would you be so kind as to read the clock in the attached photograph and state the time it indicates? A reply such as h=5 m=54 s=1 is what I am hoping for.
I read h=10 m=57 s=15
